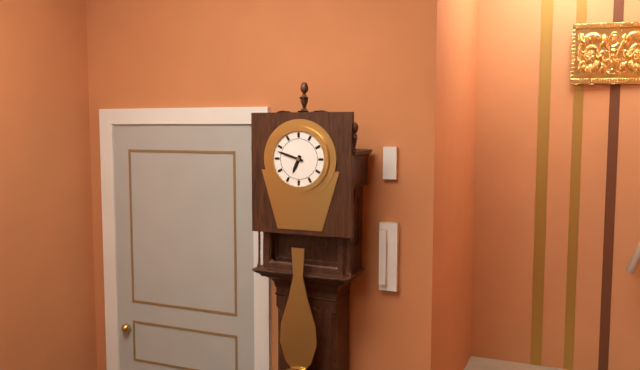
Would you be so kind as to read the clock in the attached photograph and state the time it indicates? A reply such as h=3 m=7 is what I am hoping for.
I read h=6 m=48
